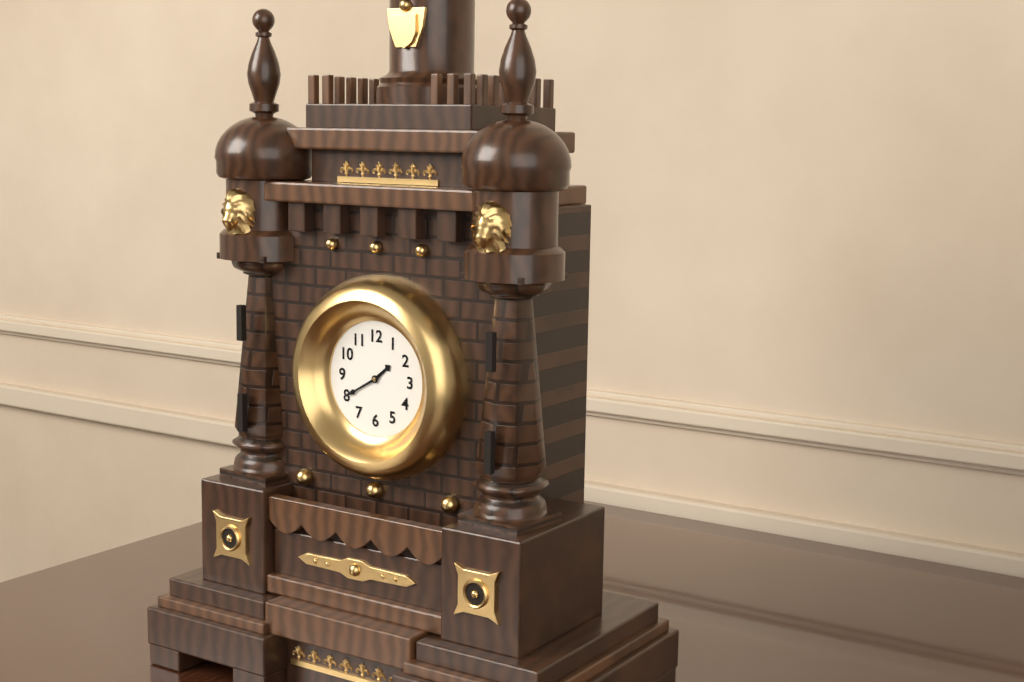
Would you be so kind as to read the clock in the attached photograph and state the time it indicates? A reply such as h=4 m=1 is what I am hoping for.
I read h=1 m=40
